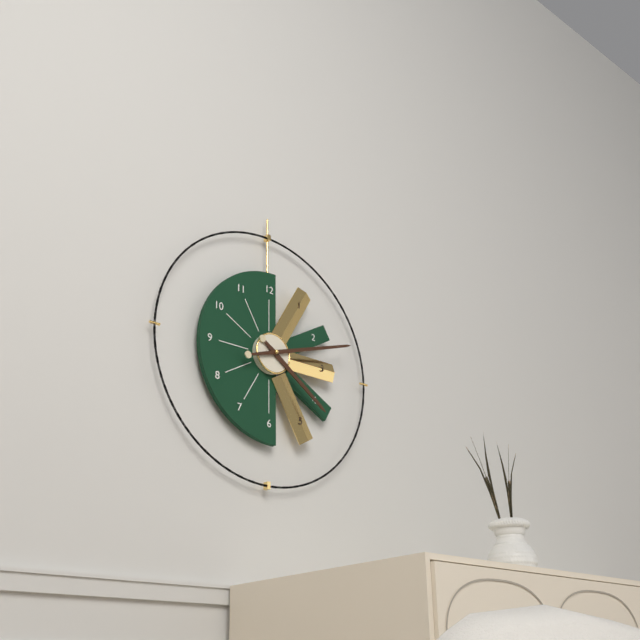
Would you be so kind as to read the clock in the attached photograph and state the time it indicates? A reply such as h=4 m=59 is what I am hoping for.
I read h=4 m=12
